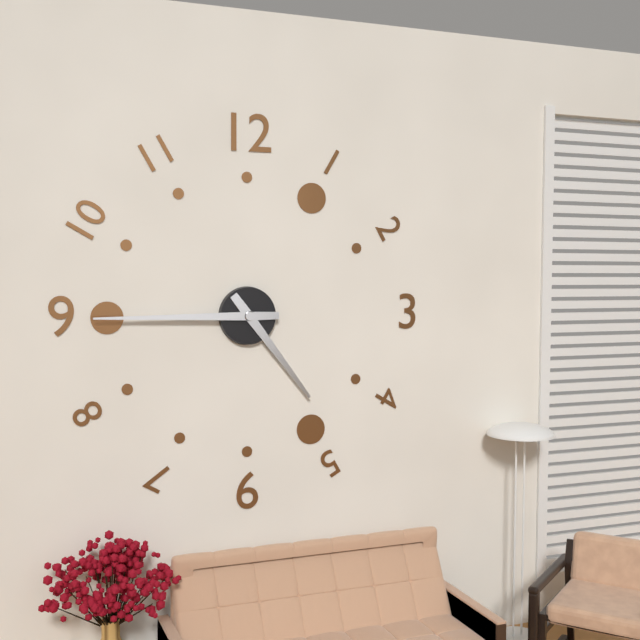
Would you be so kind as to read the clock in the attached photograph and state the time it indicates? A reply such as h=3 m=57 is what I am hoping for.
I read h=4 m=45
